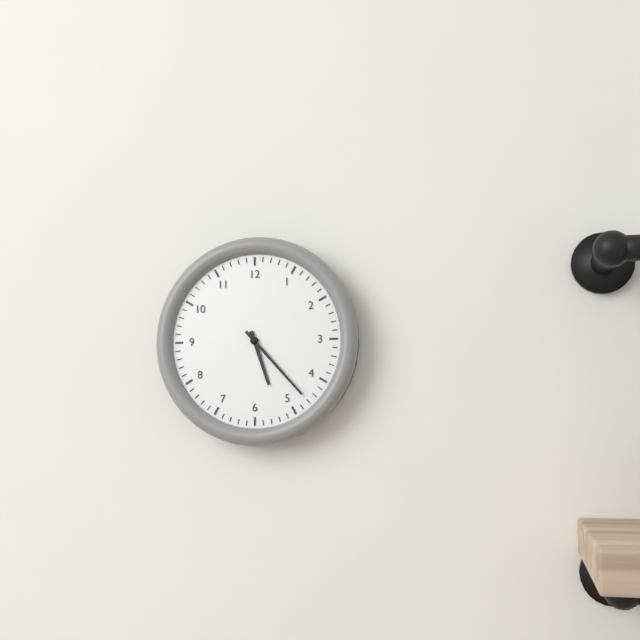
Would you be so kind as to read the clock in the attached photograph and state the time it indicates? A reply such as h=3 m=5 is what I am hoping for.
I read h=5 m=23
